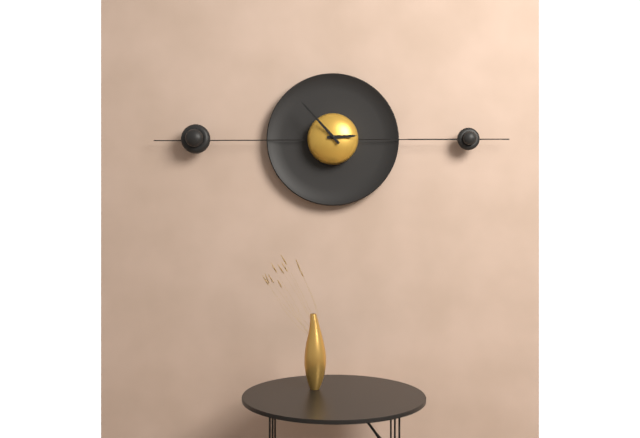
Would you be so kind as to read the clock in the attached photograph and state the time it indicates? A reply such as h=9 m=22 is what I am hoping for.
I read h=2 m=53
